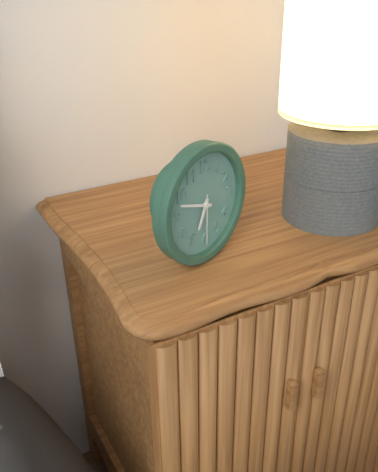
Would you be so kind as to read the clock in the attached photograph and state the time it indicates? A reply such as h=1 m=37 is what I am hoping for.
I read h=6 m=48
